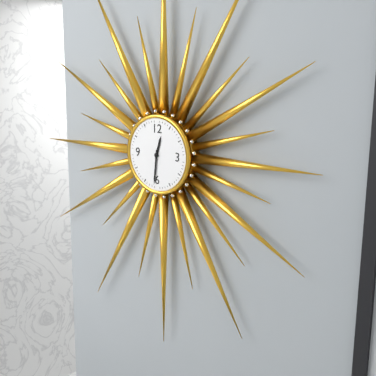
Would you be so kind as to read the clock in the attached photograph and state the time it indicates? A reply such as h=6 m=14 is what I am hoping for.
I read h=12 m=31
